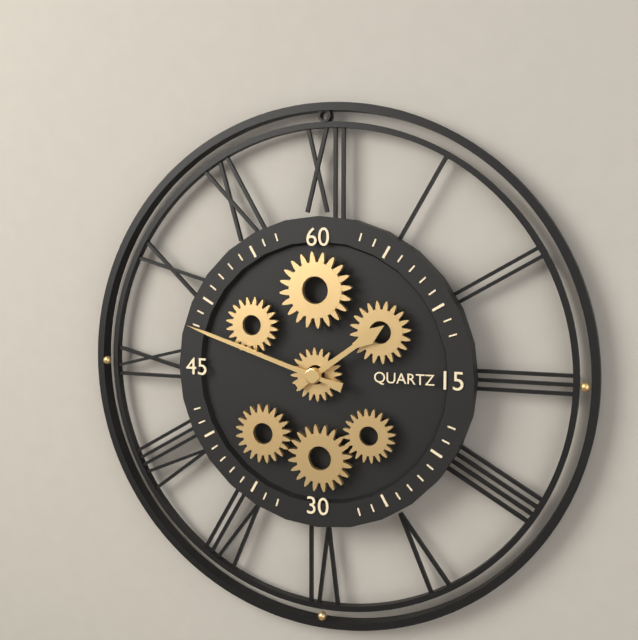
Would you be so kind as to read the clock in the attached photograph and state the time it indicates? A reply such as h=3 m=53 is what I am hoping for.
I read h=1 m=48
